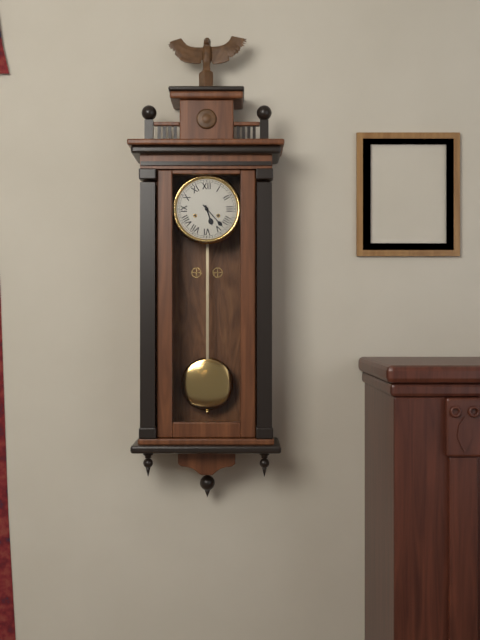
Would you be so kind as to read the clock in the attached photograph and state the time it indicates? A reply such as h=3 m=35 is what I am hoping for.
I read h=5 m=23
